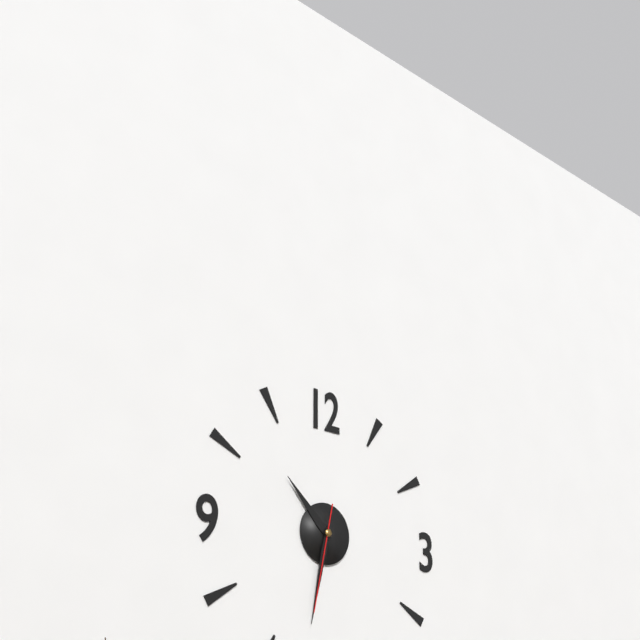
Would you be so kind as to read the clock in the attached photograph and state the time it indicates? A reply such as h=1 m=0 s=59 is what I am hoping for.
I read h=10 m=32 s=32
